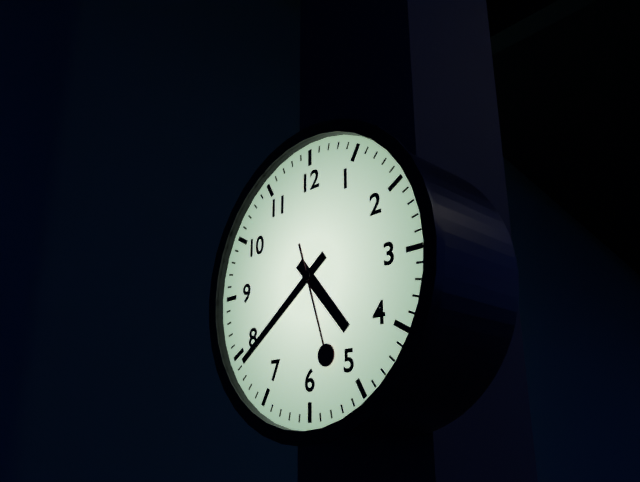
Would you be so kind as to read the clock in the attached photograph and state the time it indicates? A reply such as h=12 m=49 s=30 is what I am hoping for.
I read h=4 m=39 s=27
